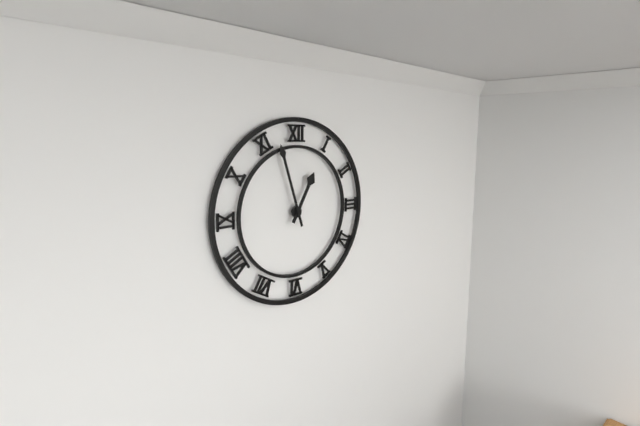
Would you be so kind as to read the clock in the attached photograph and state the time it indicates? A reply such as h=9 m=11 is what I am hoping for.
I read h=12 m=57
